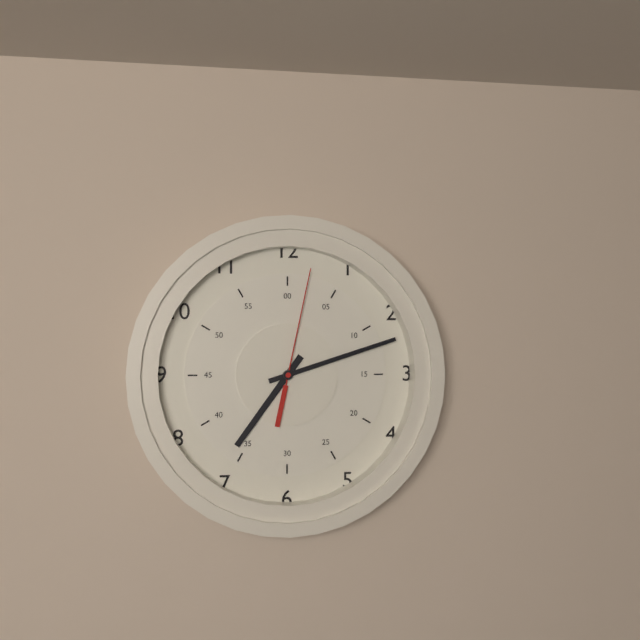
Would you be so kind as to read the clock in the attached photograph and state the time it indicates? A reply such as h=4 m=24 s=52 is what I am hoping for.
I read h=7 m=12 s=2
